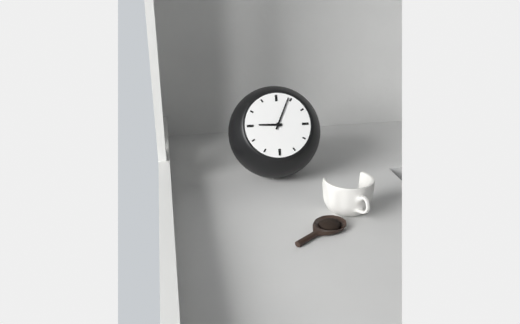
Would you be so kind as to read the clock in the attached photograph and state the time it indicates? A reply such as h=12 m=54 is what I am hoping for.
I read h=9 m=4
